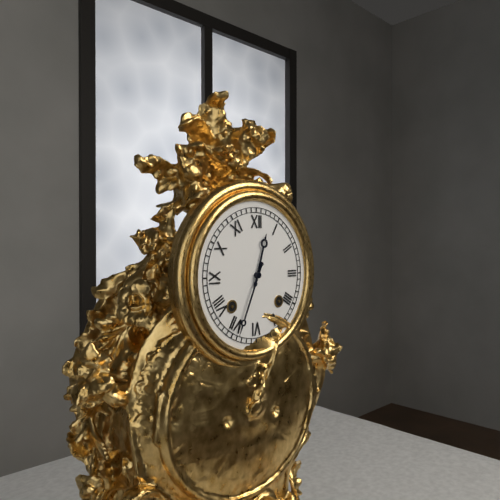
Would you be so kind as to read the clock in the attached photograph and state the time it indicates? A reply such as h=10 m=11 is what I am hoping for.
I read h=12 m=34
